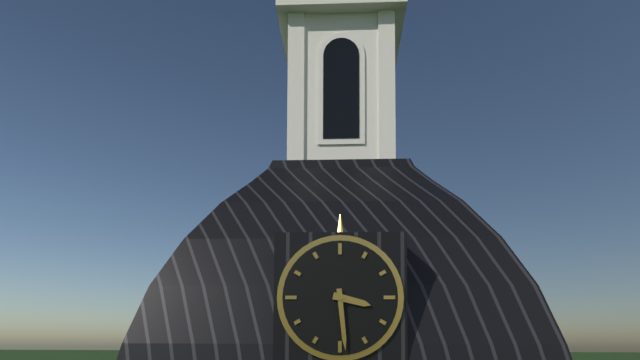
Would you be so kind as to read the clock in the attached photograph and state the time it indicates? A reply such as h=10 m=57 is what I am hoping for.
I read h=3 m=29
